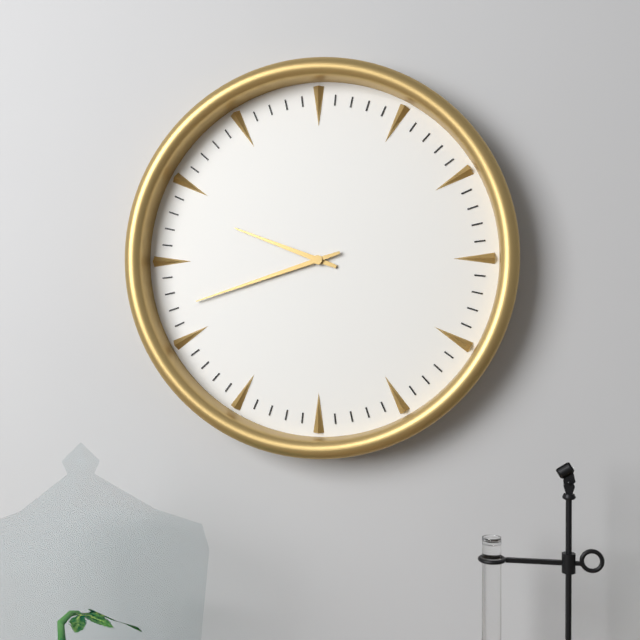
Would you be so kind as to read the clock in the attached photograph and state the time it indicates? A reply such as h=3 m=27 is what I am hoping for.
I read h=9 m=42
